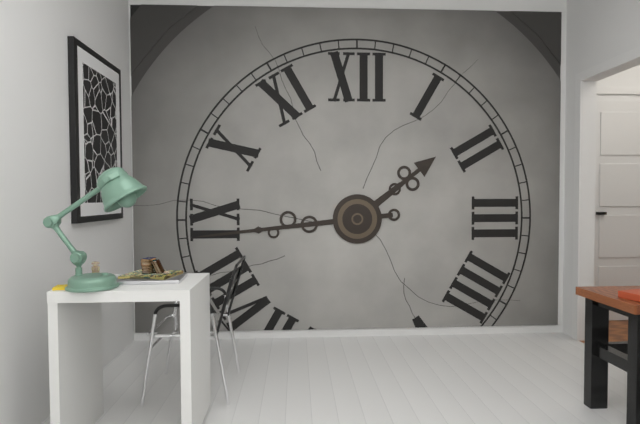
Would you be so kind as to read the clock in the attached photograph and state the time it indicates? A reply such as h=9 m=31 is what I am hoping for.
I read h=1 m=44
